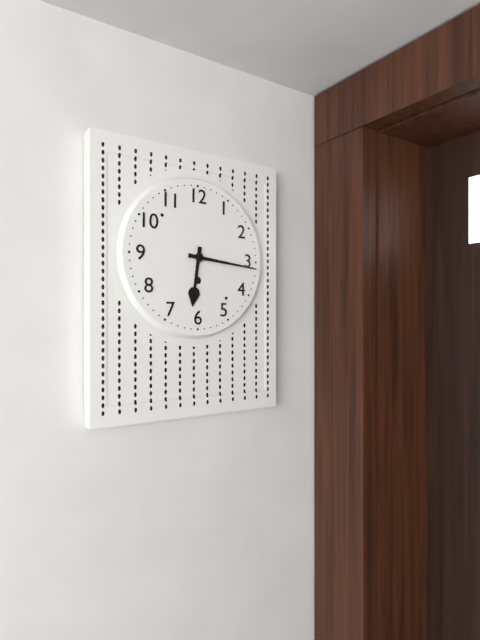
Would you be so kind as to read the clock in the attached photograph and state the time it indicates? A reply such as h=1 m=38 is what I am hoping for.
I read h=6 m=16
